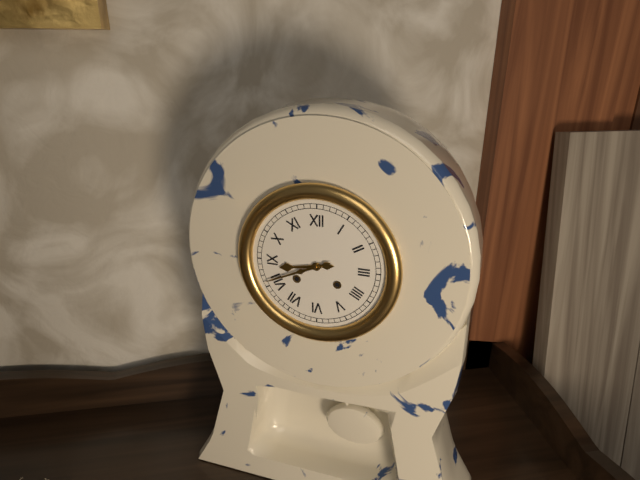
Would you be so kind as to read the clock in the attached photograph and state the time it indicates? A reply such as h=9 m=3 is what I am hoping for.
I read h=8 m=41
